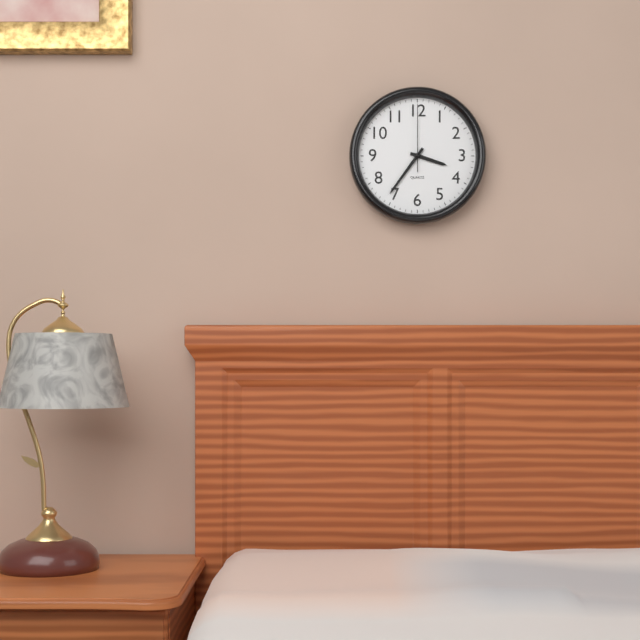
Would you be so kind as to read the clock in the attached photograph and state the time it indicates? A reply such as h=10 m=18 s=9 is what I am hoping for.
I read h=3 m=36 s=0
